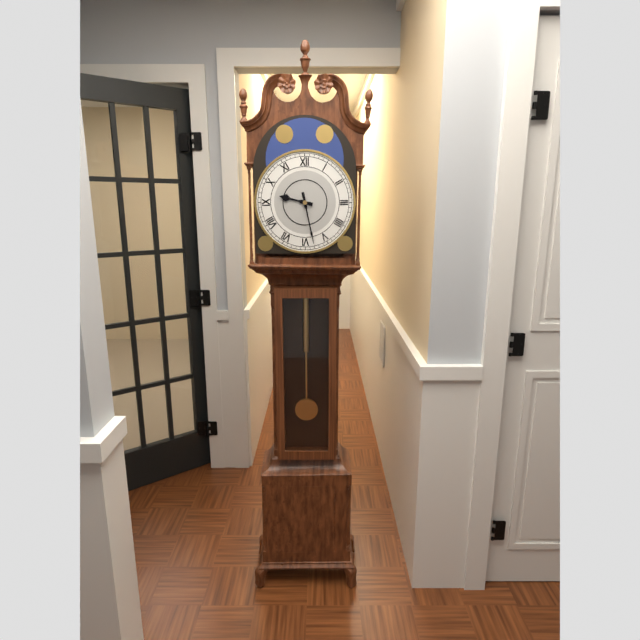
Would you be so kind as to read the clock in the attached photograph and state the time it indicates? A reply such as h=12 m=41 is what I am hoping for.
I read h=9 m=28
